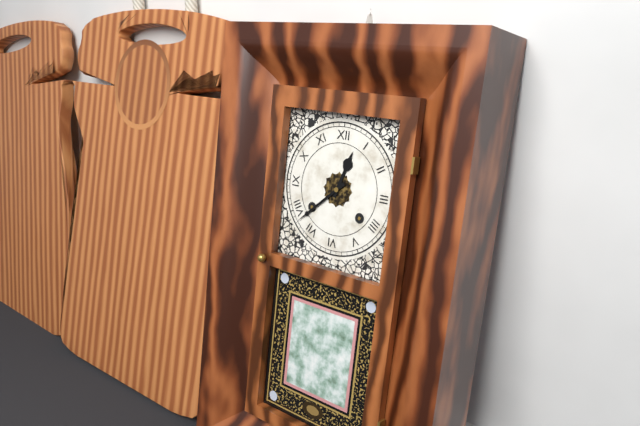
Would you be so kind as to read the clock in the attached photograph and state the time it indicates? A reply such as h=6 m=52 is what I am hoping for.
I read h=12 m=38
